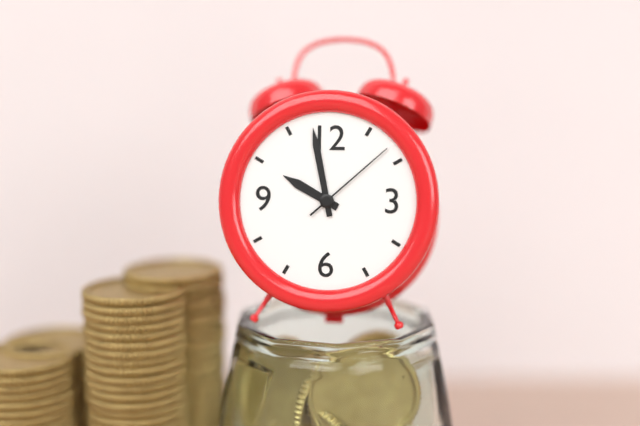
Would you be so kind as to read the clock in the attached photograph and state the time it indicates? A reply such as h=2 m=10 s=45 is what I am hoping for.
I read h=9 m=58 s=8
